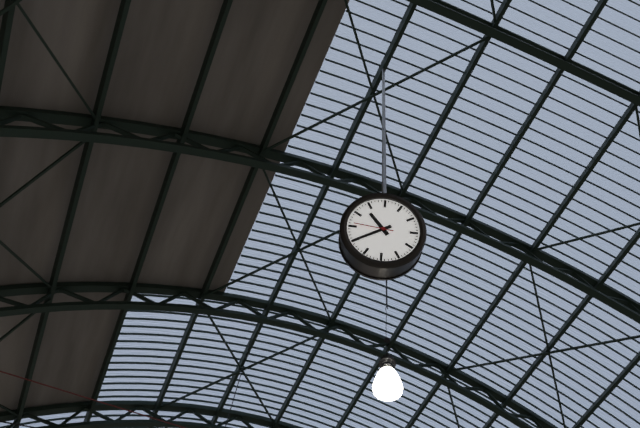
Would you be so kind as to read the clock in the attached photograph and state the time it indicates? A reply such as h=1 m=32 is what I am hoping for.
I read h=10 m=40
